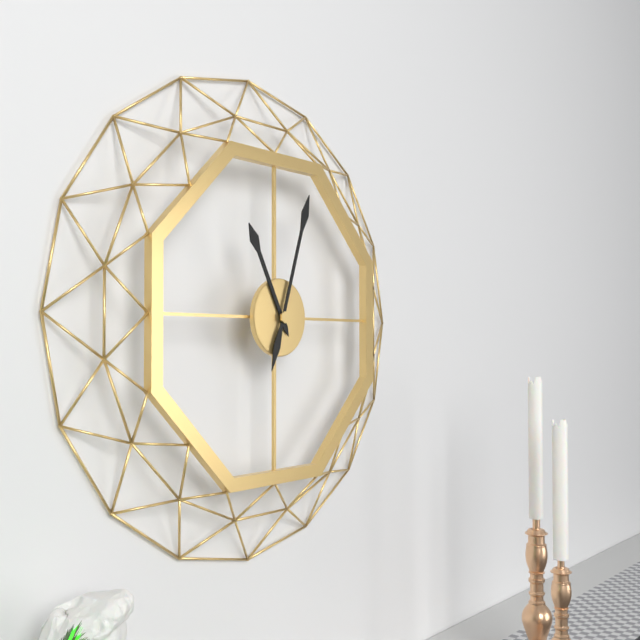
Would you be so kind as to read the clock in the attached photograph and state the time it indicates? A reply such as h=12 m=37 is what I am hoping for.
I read h=11 m=3
